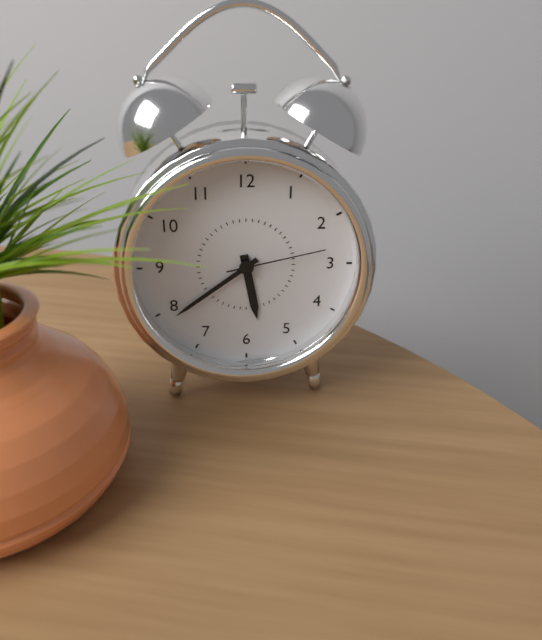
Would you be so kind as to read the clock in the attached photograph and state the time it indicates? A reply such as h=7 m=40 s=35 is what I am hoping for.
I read h=5 m=39 s=13
